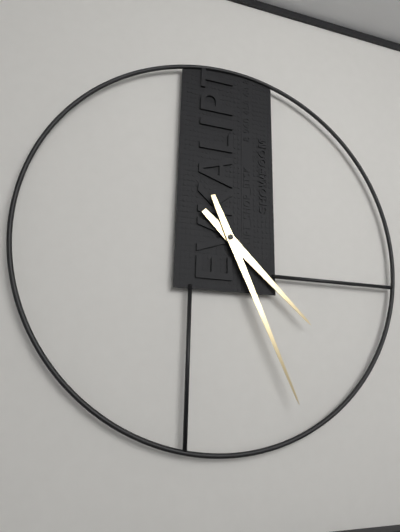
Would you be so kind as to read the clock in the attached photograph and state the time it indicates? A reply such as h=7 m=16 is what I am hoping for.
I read h=4 m=26
